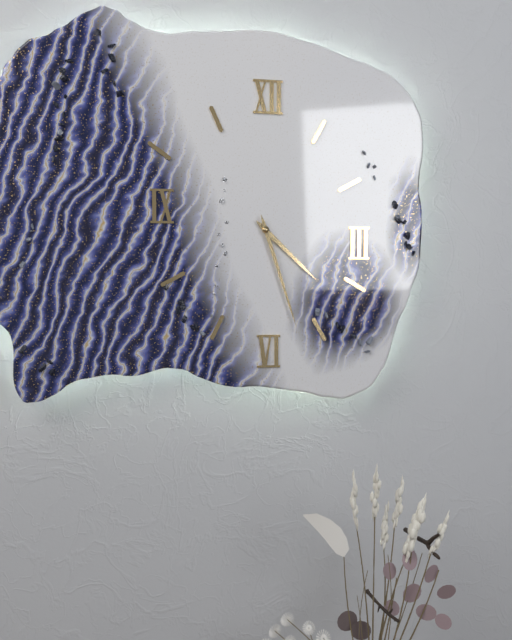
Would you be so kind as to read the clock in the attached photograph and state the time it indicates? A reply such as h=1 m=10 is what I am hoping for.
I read h=4 m=27
